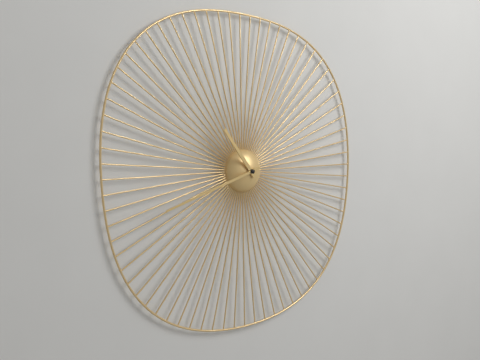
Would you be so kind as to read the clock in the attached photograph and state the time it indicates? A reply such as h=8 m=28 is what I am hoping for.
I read h=10 m=42
